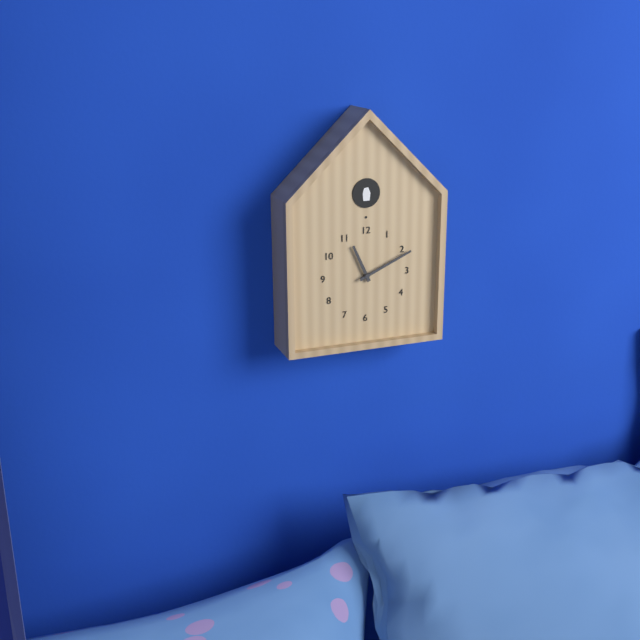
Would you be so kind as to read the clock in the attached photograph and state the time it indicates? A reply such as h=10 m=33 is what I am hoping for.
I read h=11 m=11
